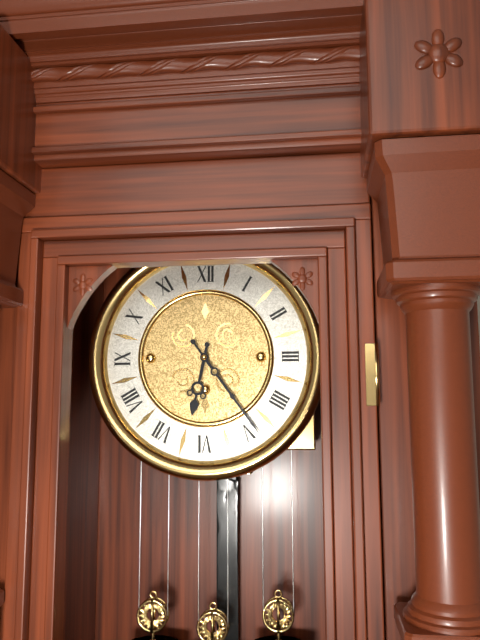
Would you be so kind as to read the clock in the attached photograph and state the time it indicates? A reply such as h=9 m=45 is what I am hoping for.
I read h=6 m=24
